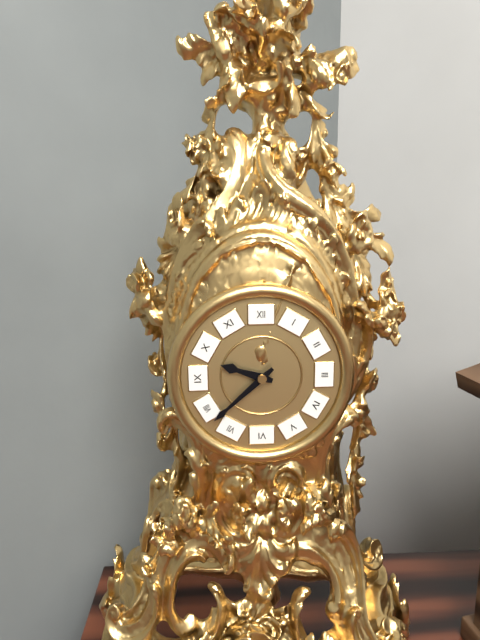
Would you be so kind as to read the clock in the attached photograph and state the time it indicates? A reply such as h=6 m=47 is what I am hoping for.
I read h=9 m=38
